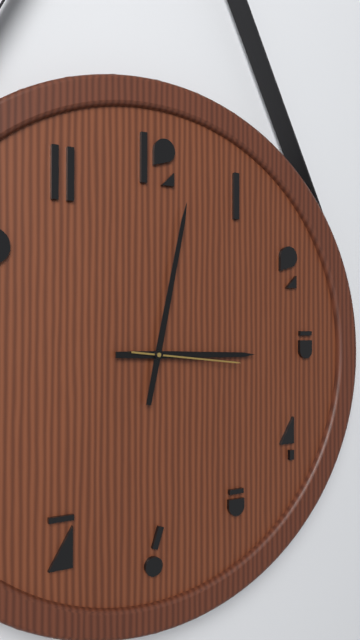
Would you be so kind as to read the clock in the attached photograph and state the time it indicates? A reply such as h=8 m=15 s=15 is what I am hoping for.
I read h=3 m=2 s=16
